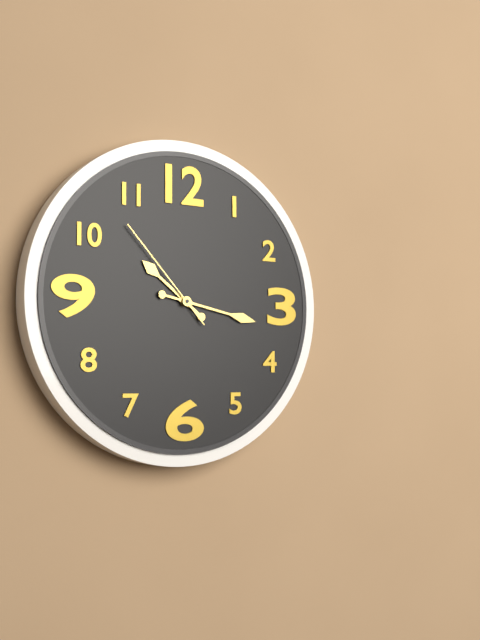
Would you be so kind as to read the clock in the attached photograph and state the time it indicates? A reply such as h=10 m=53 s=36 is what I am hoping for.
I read h=10 m=17 s=53
